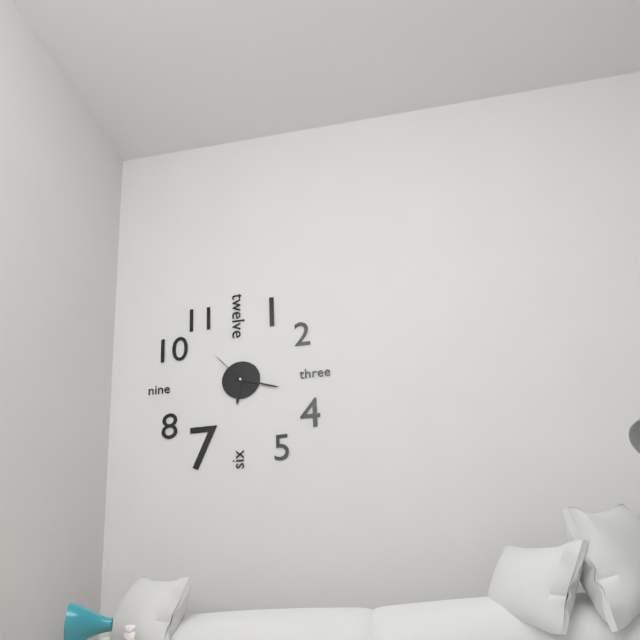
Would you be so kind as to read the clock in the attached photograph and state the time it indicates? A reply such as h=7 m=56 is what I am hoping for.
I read h=6 m=18
